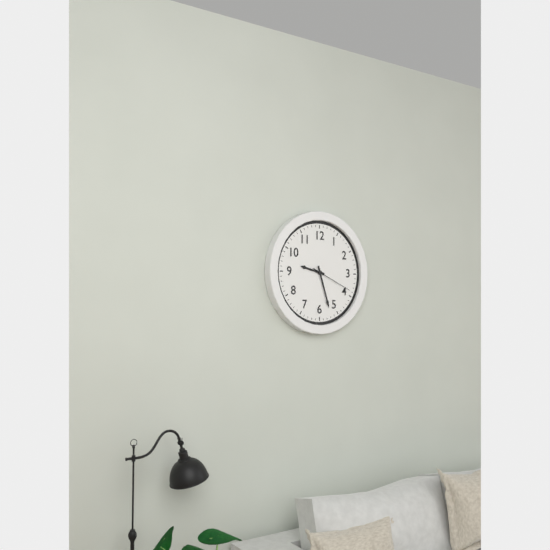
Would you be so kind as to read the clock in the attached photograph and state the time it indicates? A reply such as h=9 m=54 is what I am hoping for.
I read h=9 m=27
